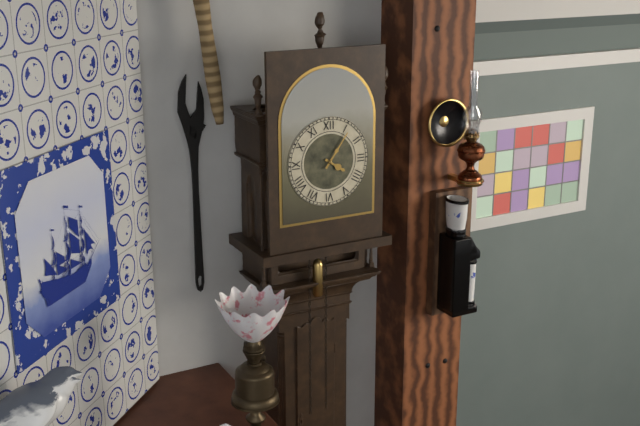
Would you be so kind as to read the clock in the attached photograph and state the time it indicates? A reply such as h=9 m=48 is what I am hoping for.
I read h=4 m=6
